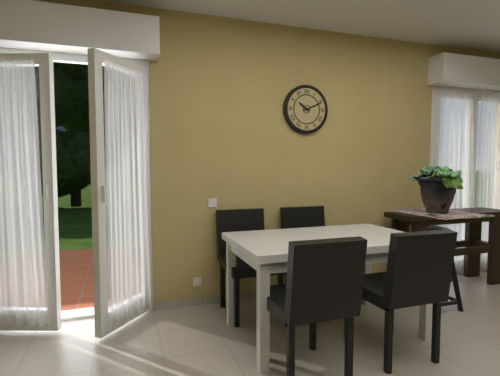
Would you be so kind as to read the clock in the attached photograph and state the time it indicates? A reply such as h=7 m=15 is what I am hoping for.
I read h=10 m=11
